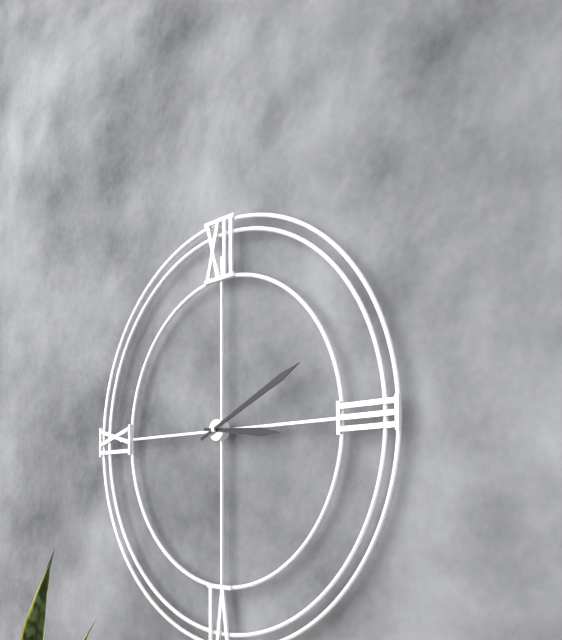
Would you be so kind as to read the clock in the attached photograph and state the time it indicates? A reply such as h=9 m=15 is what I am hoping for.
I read h=3 m=11
